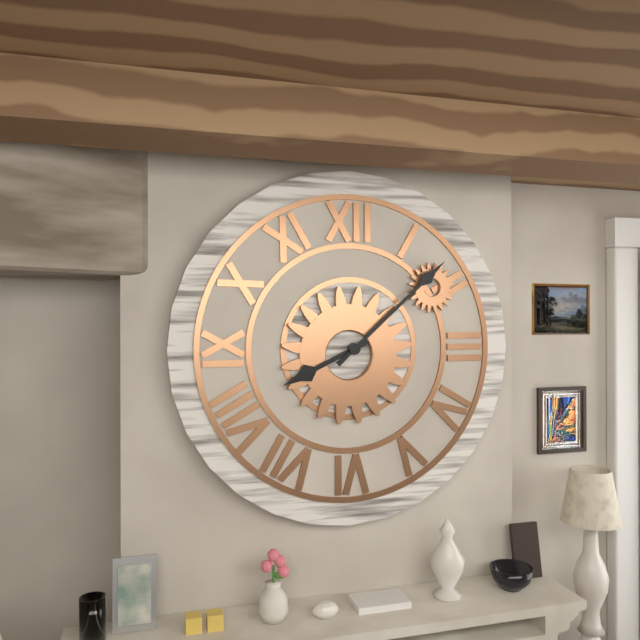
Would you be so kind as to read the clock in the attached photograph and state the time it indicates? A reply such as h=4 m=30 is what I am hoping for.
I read h=8 m=8
